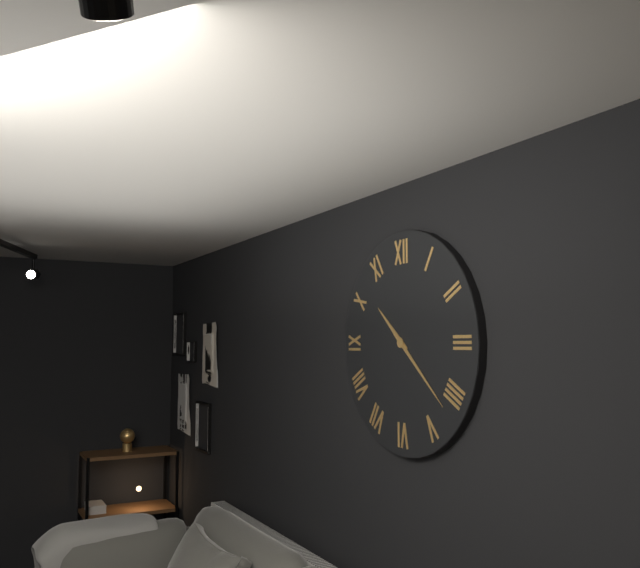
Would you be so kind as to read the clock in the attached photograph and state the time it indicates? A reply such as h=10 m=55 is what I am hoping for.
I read h=10 m=22
